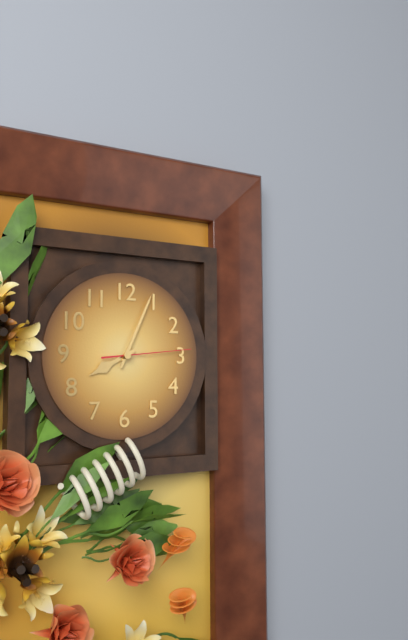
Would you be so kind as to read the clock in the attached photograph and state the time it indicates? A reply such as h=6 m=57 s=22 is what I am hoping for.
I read h=8 m=4 s=14
